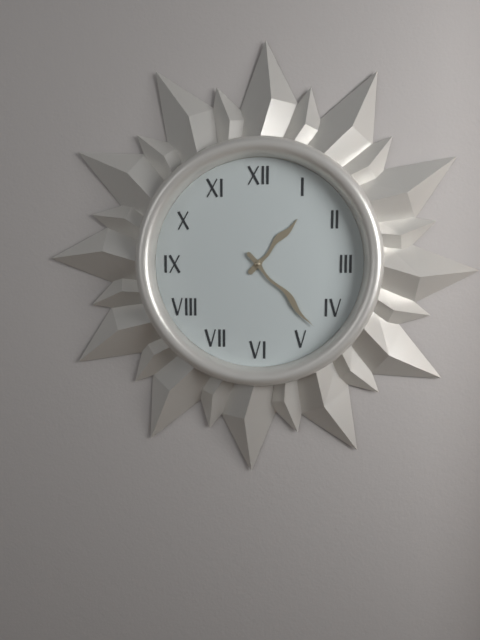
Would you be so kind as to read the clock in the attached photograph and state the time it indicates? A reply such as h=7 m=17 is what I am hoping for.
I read h=1 m=23
